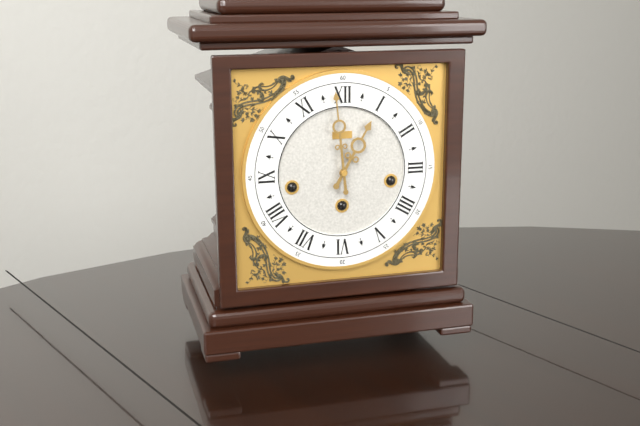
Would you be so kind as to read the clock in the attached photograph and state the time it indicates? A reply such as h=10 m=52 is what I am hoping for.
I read h=12 m=59
